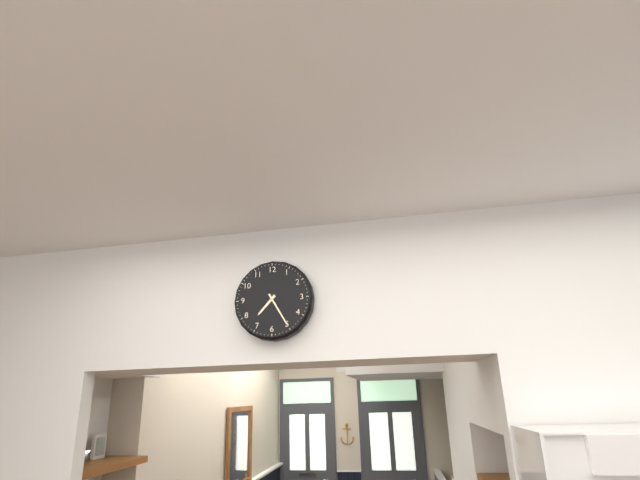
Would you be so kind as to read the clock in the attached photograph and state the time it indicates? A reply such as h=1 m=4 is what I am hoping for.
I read h=7 m=25
